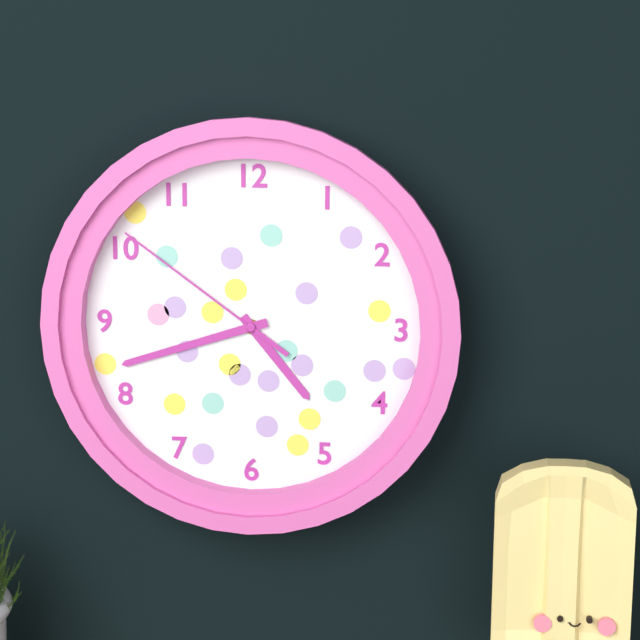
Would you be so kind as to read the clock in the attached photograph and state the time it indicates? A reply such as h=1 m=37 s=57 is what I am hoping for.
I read h=4 m=42 s=51
